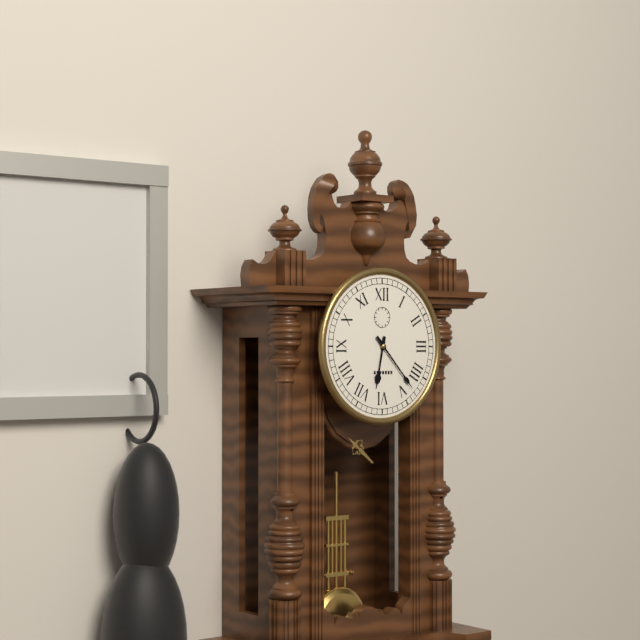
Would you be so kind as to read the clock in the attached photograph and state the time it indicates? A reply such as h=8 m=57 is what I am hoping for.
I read h=6 m=23
